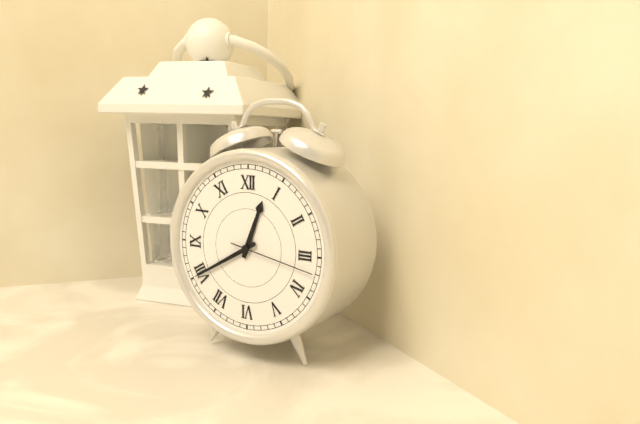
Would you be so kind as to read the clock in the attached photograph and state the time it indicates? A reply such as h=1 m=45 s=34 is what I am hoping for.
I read h=12 m=40 s=17
